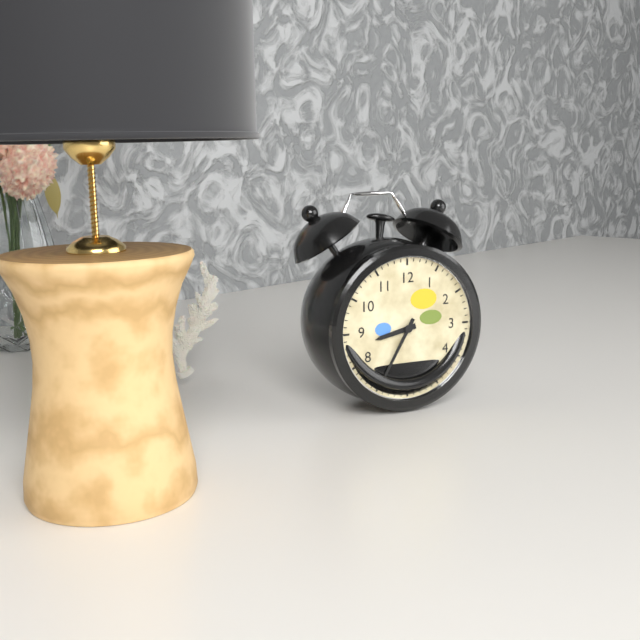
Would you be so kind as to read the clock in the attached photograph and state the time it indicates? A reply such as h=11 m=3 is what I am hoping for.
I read h=8 m=35
